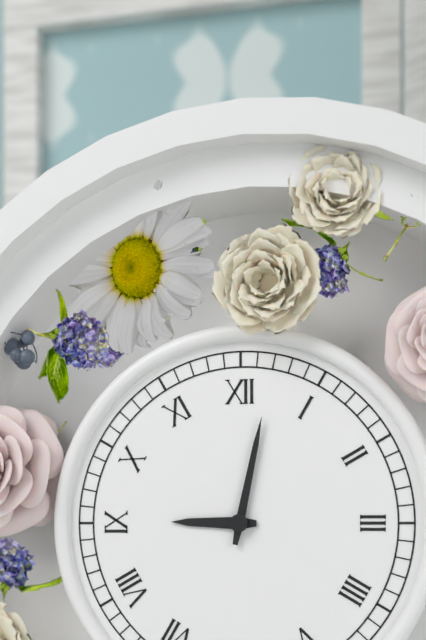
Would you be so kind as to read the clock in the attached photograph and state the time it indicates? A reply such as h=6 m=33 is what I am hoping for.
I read h=9 m=2
